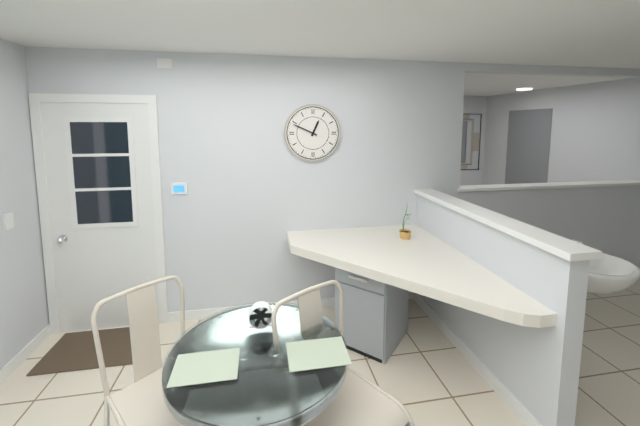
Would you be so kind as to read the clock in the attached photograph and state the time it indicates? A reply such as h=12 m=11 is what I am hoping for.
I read h=12 m=49
